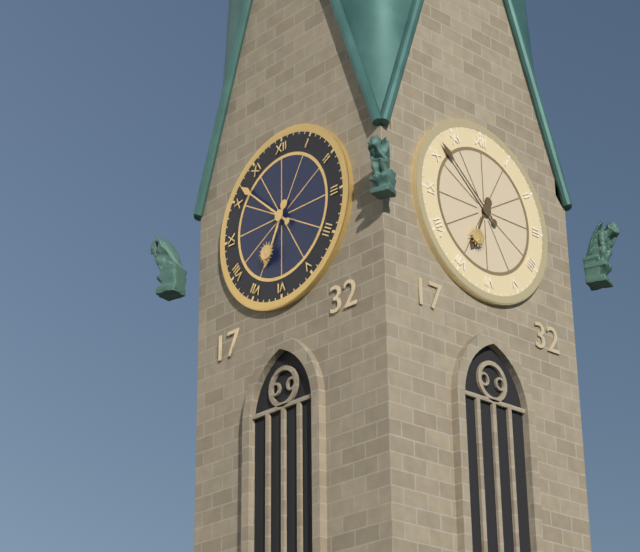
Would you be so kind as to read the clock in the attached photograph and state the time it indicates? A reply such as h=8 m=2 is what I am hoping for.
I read h=6 m=52
